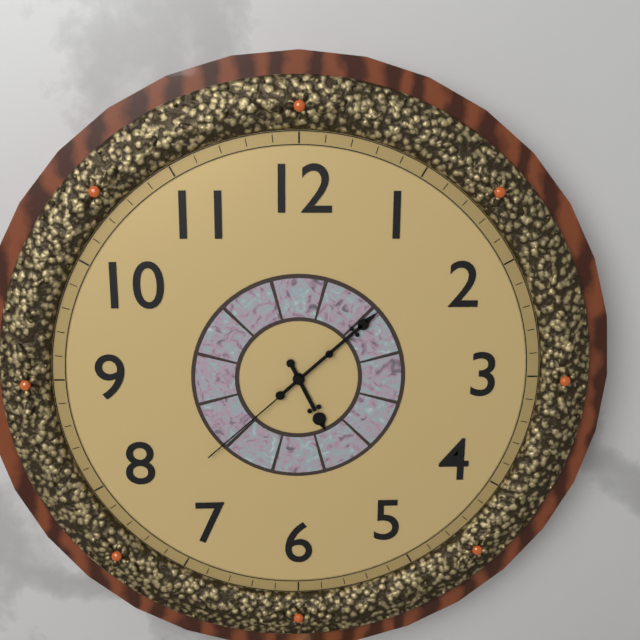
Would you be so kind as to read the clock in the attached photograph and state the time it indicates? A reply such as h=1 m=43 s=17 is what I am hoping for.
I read h=5 m=8 s=38
